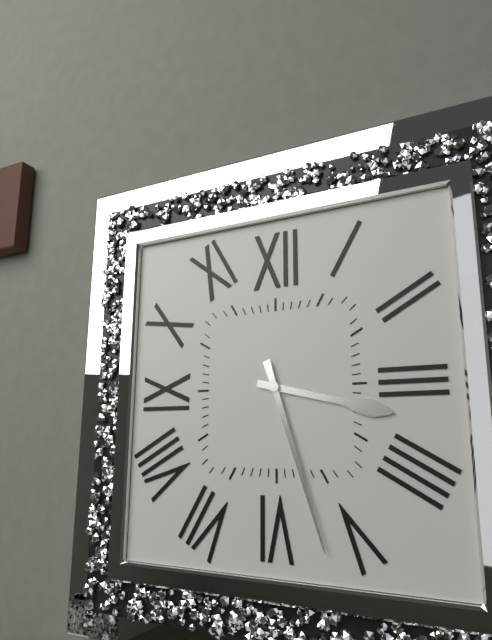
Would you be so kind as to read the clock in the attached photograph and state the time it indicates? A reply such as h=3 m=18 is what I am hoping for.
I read h=3 m=27
